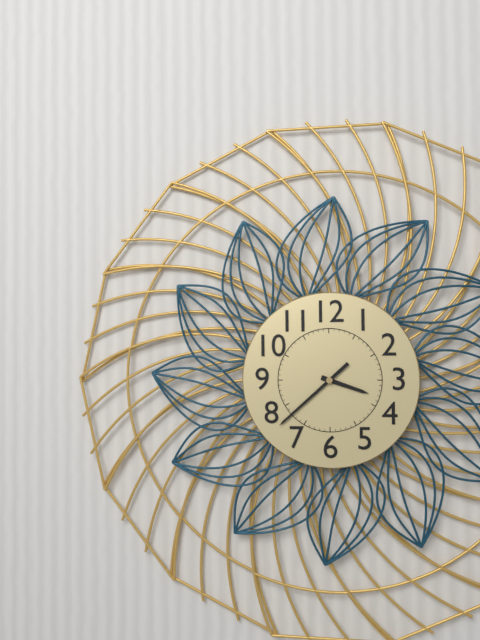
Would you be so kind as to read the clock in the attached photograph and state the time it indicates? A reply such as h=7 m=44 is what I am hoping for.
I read h=3 m=38
